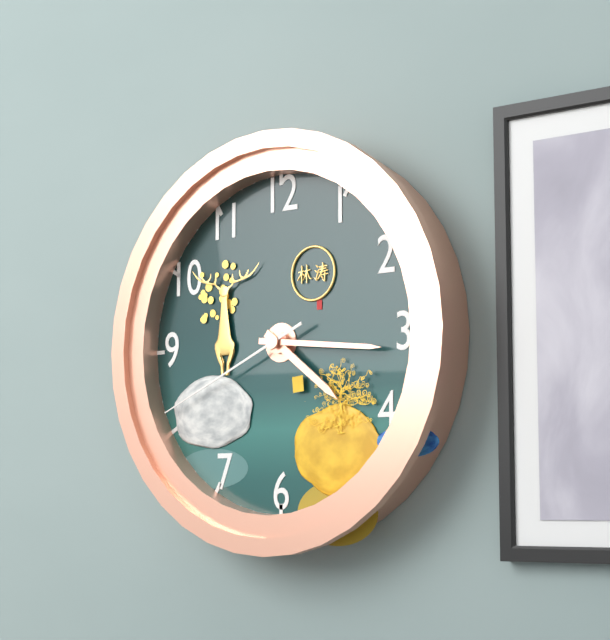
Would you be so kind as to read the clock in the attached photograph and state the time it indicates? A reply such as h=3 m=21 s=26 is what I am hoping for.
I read h=4 m=16 s=41
